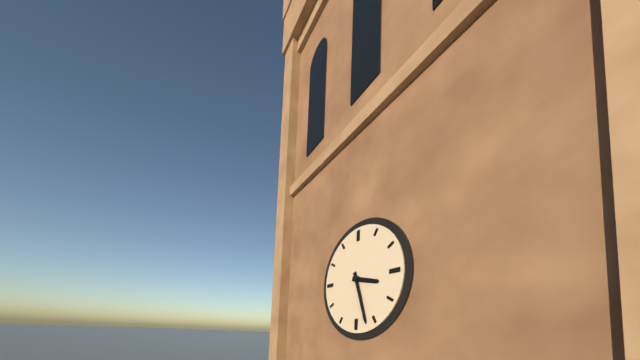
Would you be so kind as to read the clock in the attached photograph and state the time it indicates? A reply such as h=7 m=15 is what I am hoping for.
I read h=3 m=27
